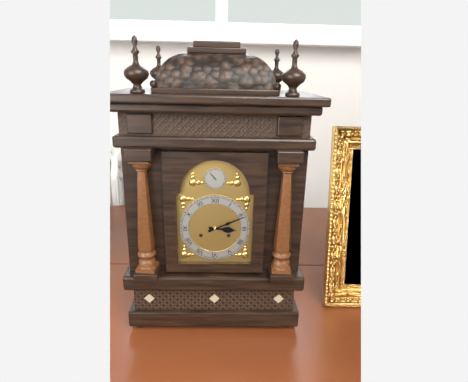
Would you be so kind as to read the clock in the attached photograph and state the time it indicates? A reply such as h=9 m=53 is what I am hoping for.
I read h=3 m=11
